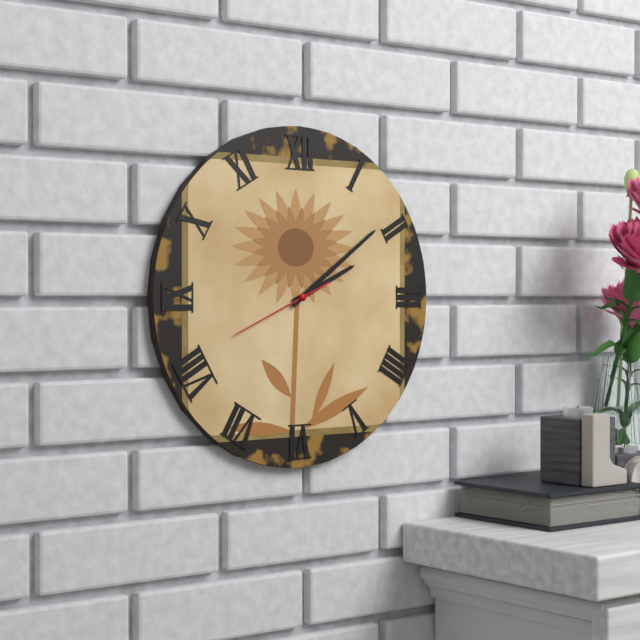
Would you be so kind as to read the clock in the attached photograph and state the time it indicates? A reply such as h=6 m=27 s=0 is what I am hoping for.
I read h=2 m=9 s=41
